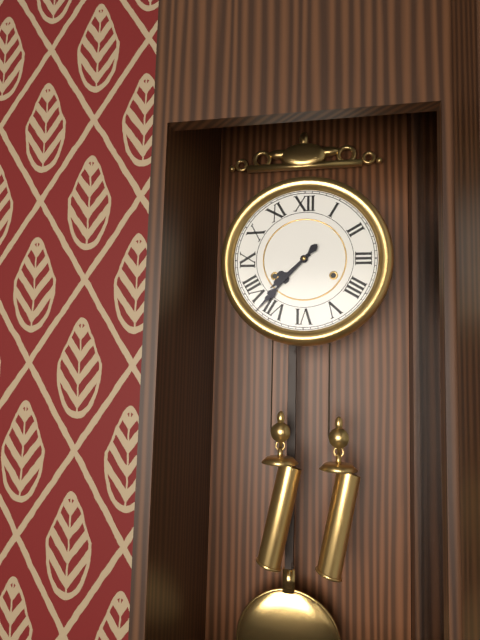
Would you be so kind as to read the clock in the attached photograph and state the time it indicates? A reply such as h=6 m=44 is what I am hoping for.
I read h=7 m=37
